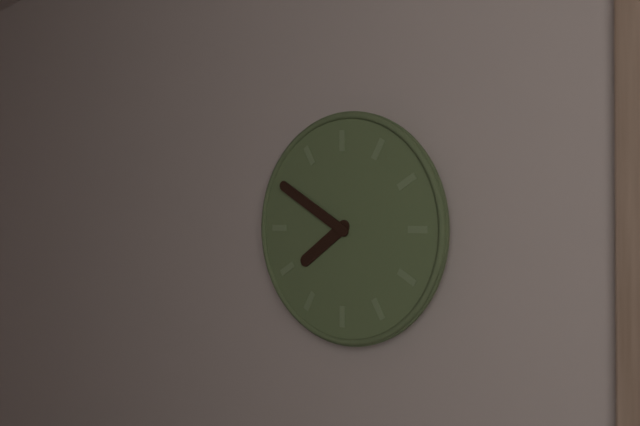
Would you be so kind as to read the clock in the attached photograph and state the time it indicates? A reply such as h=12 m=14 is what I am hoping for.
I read h=7 m=50
